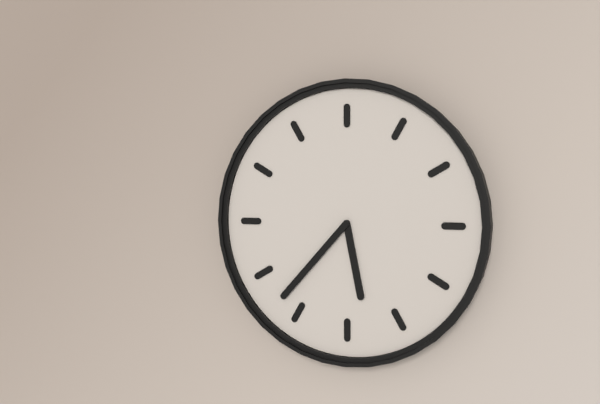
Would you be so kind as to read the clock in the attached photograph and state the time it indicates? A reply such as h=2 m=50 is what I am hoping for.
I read h=5 m=37
